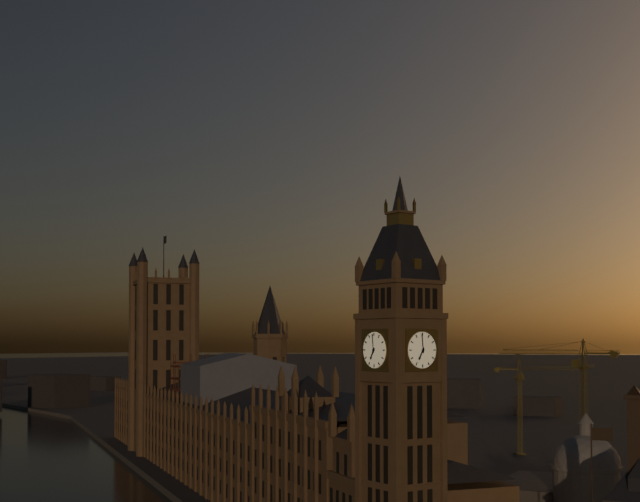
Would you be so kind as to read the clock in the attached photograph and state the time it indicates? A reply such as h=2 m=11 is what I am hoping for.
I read h=6 m=59
